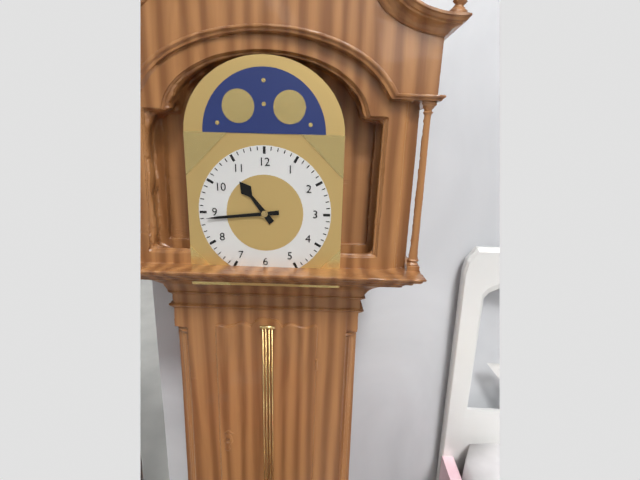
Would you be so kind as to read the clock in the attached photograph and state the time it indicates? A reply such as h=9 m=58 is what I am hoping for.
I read h=10 m=44
